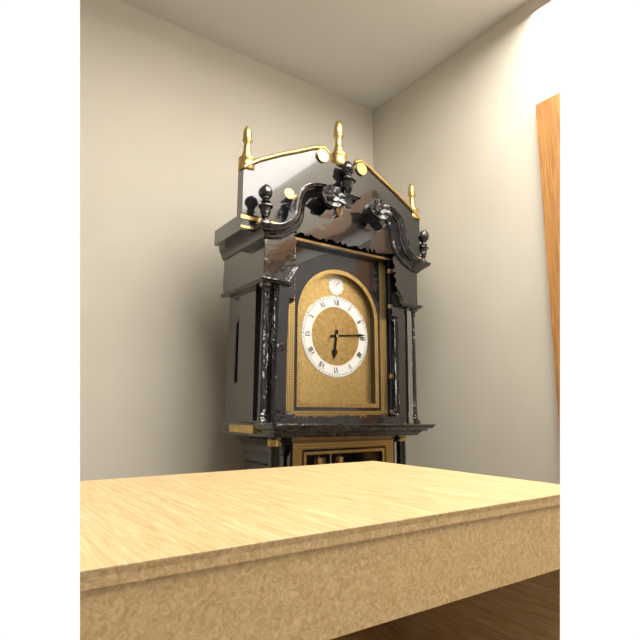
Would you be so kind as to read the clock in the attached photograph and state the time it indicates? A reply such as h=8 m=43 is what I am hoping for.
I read h=6 m=14
